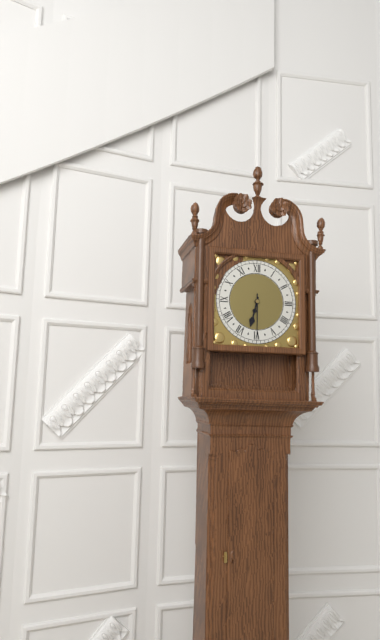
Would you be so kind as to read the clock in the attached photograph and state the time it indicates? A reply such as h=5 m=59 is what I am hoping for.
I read h=6 m=30
